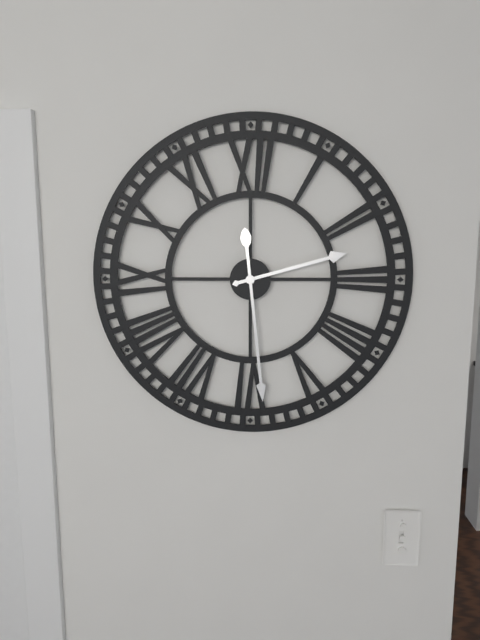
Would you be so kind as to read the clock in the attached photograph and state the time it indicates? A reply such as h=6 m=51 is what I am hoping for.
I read h=2 m=29
